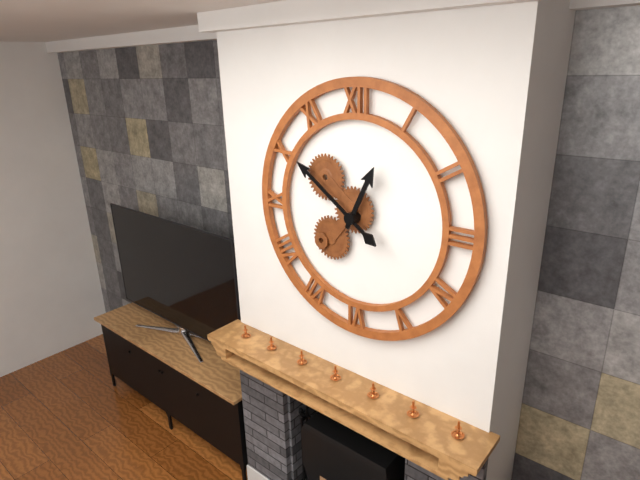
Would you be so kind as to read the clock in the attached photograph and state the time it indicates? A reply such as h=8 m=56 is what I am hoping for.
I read h=12 m=51
